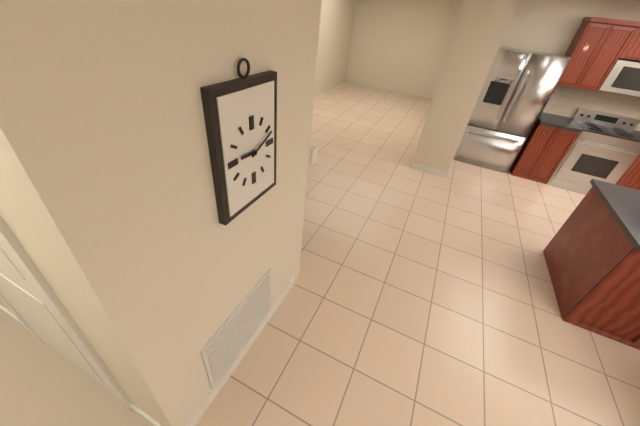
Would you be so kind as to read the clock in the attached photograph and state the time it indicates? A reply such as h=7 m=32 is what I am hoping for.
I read h=9 m=11
